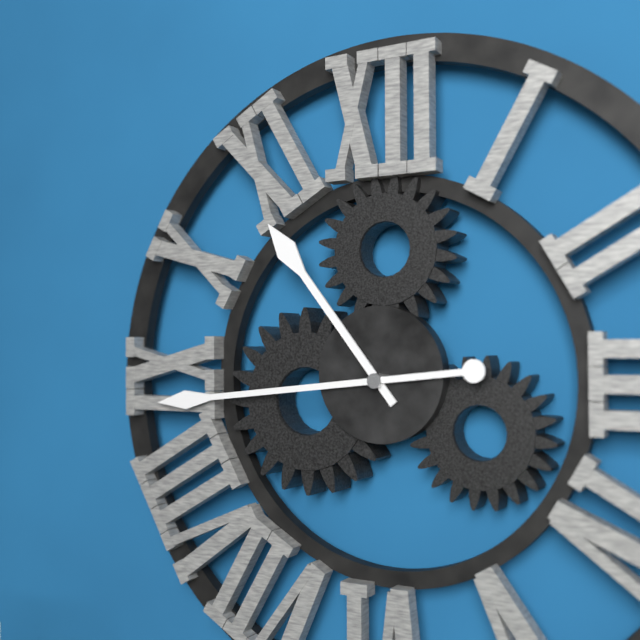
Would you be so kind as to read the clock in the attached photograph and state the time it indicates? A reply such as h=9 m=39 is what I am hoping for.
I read h=10 m=44
